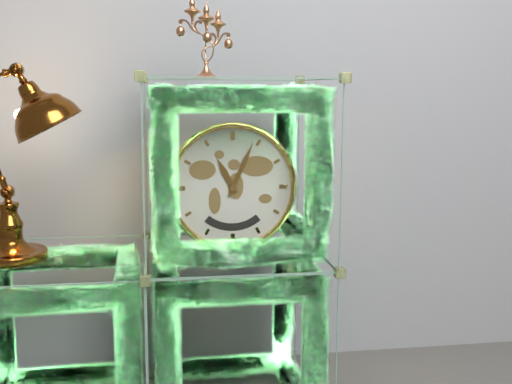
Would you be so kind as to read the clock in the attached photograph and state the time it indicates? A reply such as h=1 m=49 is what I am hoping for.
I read h=11 m=4
